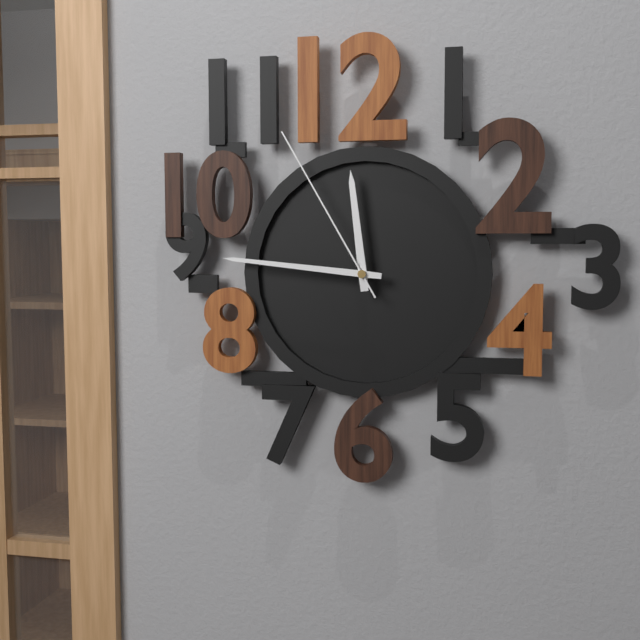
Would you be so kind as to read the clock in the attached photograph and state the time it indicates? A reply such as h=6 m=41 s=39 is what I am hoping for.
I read h=11 m=46 s=55
